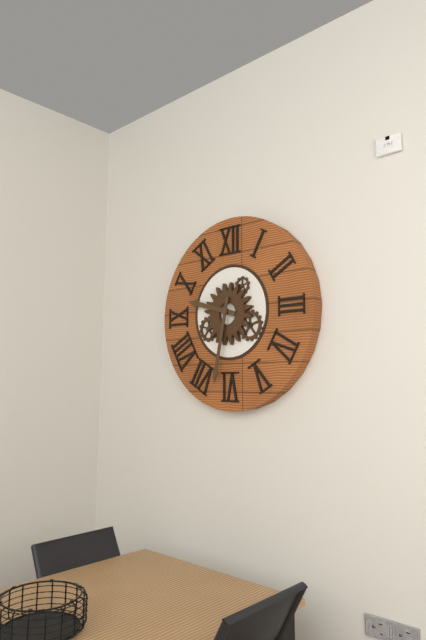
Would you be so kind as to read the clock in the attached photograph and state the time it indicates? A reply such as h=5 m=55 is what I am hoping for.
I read h=9 m=32
